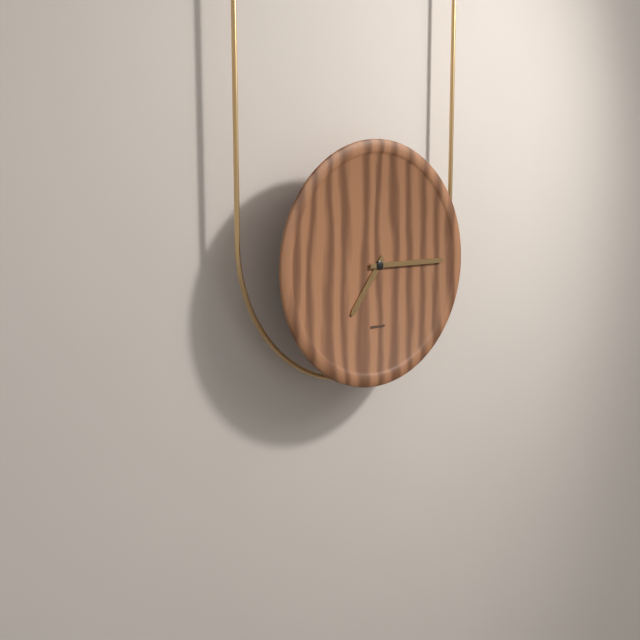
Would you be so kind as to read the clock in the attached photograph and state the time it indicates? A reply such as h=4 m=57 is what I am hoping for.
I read h=7 m=15
